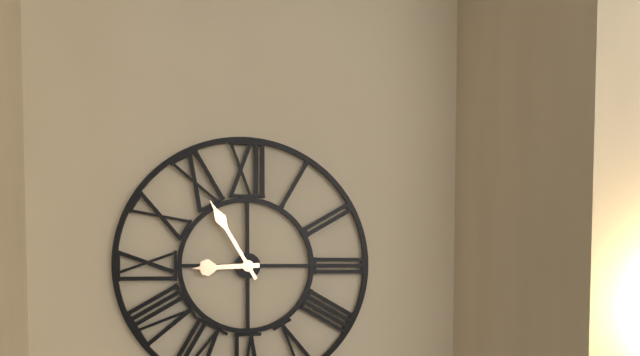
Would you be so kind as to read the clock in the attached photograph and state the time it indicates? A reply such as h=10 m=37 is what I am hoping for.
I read h=8 m=55
